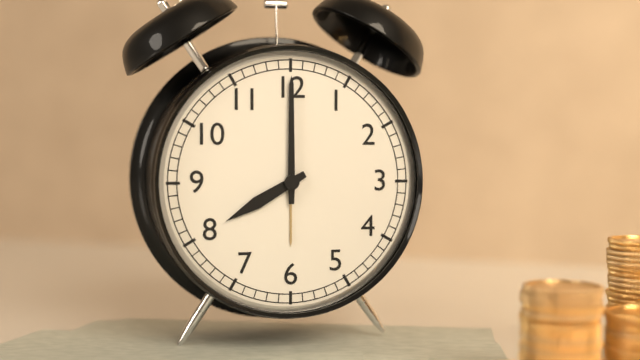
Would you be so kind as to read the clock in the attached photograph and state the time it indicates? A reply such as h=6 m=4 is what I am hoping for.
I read h=8 m=0
